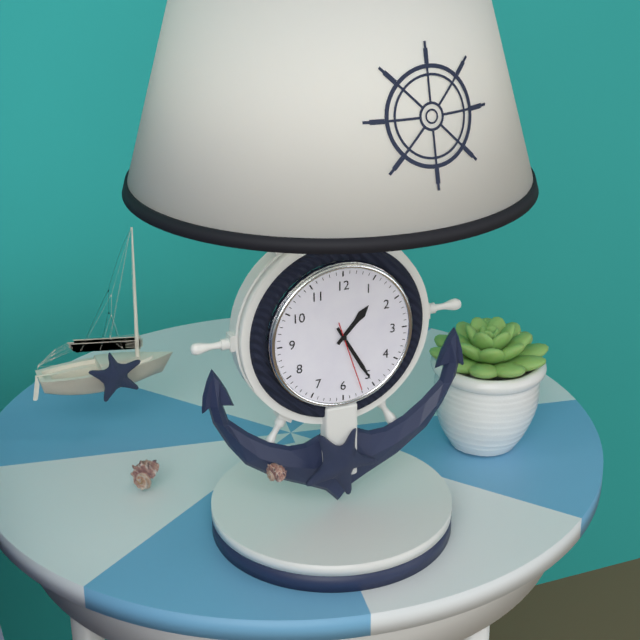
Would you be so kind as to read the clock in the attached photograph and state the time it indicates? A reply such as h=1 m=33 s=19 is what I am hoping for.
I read h=1 m=25 s=27
